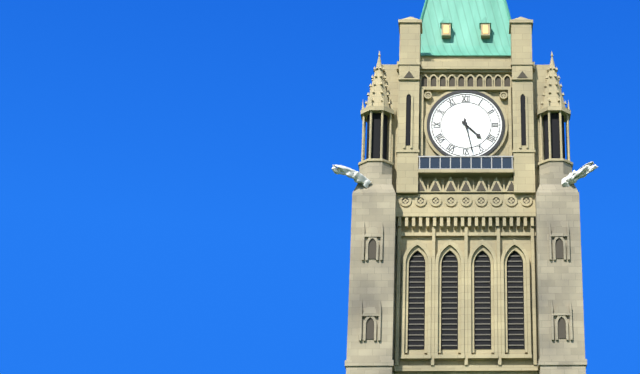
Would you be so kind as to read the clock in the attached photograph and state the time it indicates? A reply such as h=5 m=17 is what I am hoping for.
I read h=4 m=28
